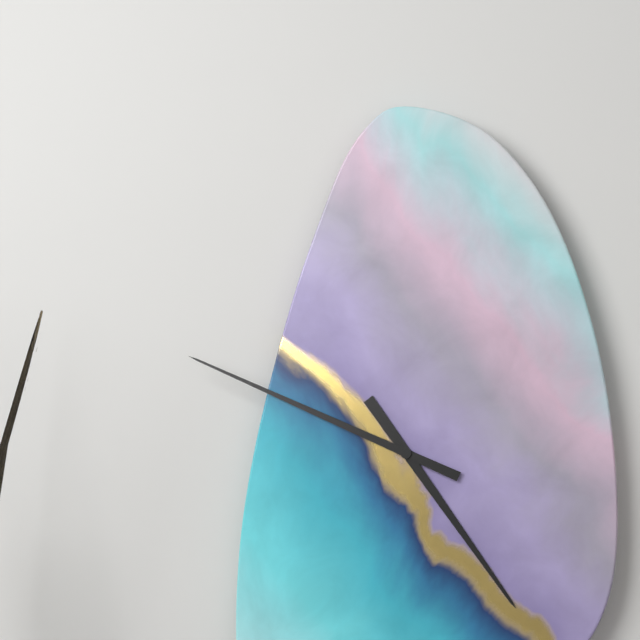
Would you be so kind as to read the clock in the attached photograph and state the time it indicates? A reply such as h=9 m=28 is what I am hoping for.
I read h=4 m=49
